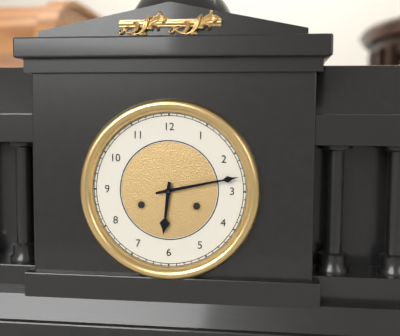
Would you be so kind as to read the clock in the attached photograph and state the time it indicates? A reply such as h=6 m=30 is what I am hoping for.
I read h=6 m=13
